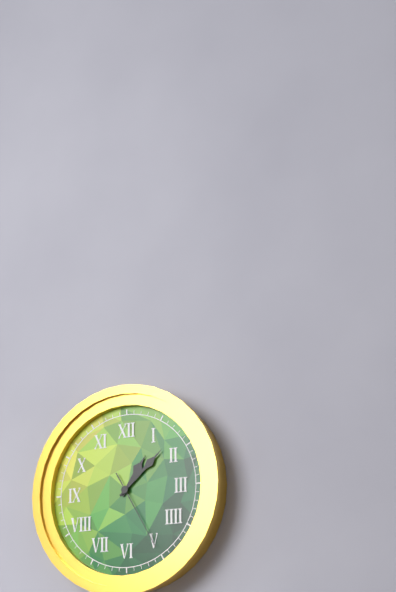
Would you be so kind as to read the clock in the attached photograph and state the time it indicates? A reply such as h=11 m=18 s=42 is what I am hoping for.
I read h=1 m=8 s=25
